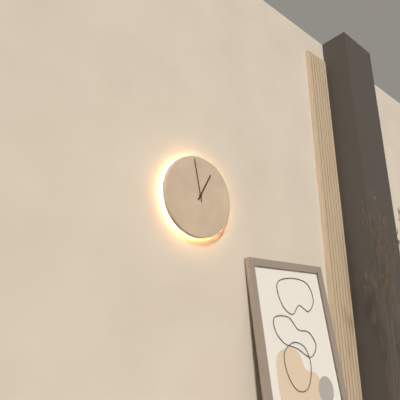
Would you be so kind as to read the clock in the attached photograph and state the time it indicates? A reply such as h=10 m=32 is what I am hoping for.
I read h=12 m=58
